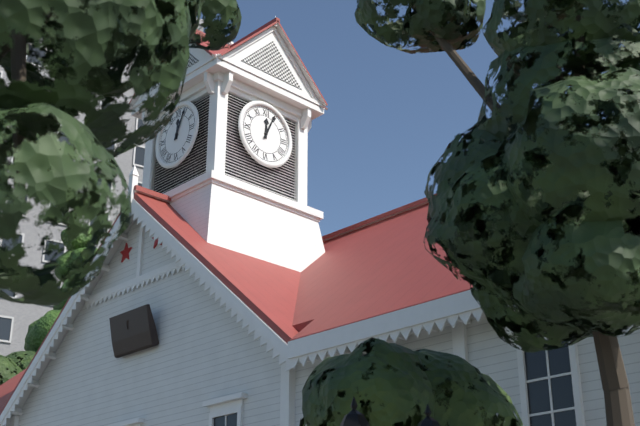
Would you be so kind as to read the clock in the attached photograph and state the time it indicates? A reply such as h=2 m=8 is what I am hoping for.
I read h=12 m=4
